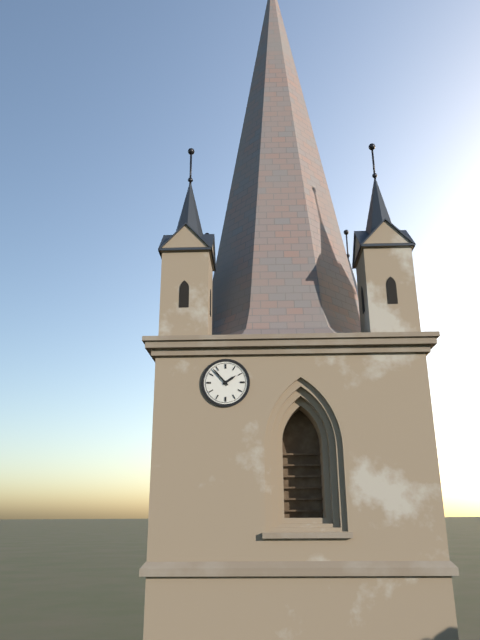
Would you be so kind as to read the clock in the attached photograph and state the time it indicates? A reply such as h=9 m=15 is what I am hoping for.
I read h=1 m=53
